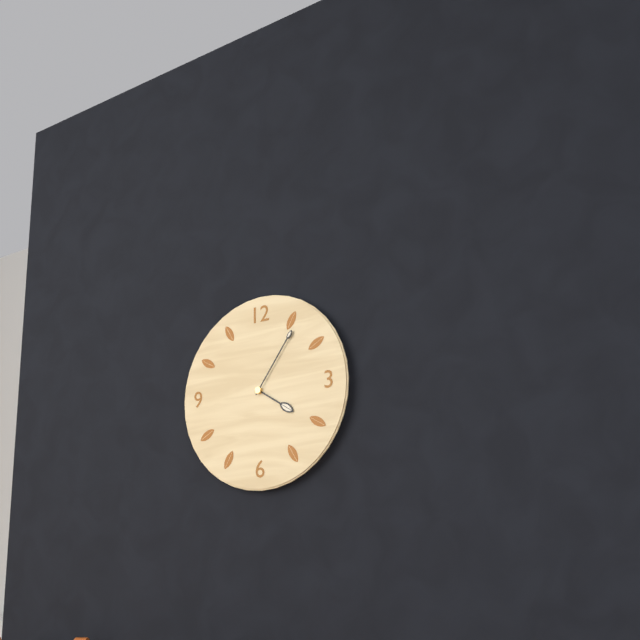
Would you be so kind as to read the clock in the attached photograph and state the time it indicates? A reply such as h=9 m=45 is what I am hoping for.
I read h=4 m=6
